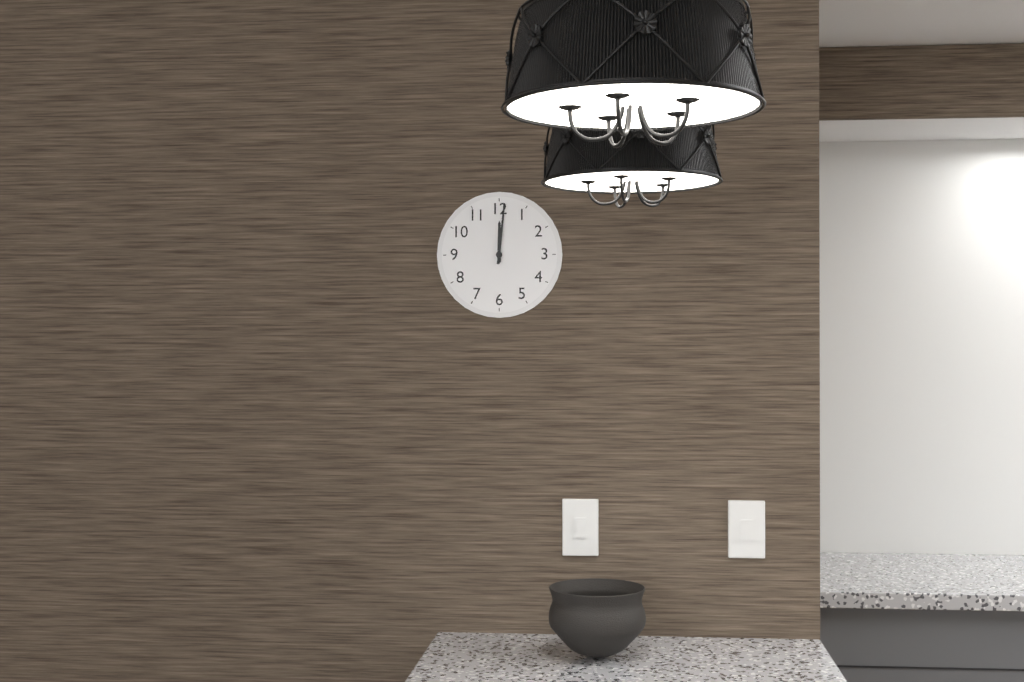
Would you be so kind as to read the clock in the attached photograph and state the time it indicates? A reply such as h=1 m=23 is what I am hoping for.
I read h=12 m=1
